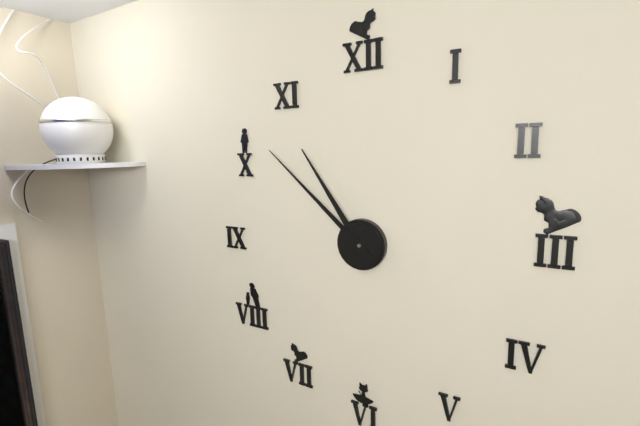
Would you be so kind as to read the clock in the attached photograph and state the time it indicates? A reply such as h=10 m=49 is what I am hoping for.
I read h=10 m=52
